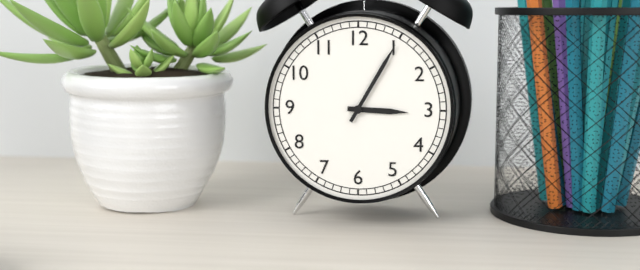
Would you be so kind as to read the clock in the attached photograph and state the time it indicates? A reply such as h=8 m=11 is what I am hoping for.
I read h=3 m=5
